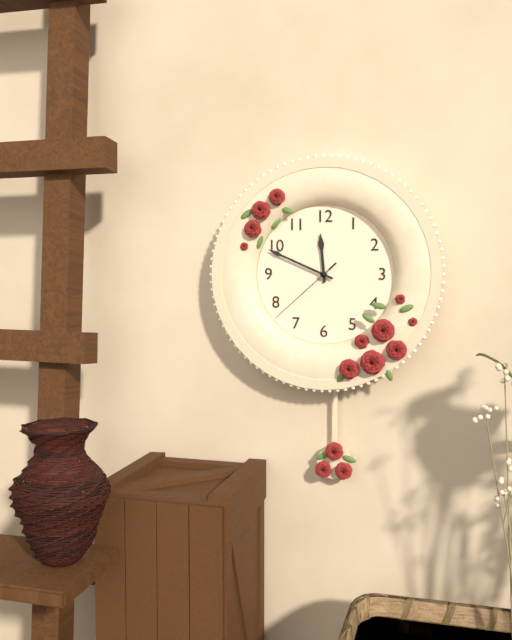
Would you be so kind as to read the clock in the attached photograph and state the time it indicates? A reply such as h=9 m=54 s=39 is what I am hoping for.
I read h=11 m=49 s=38
